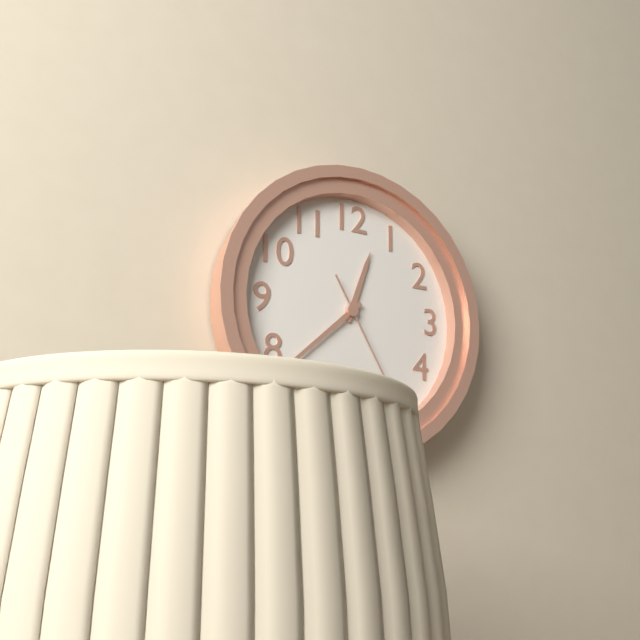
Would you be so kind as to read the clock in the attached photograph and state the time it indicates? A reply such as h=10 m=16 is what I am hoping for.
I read h=12 m=38
